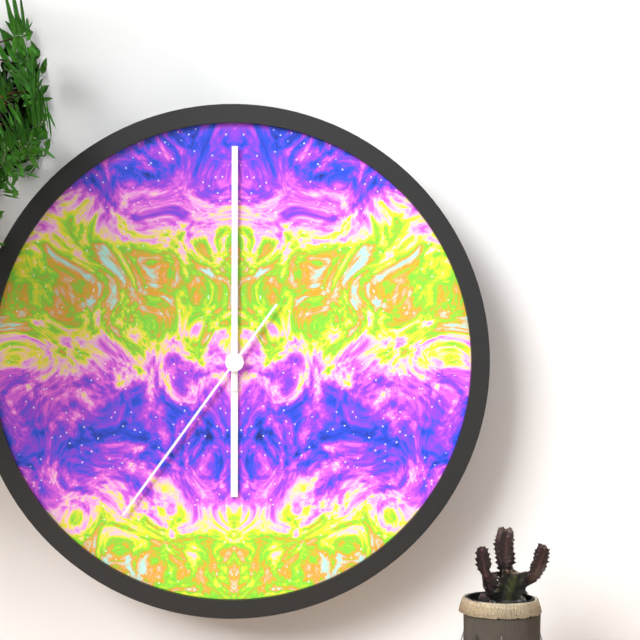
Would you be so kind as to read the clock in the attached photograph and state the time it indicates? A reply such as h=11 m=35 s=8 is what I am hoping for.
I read h=6 m=0 s=36
